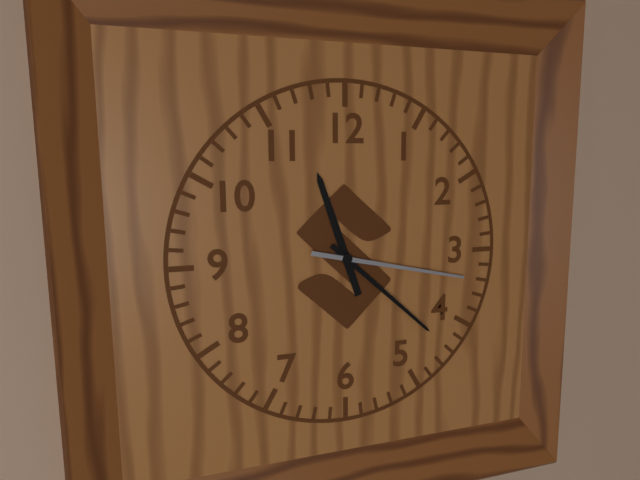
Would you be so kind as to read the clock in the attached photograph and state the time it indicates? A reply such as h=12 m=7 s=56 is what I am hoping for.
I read h=11 m=22 s=17
